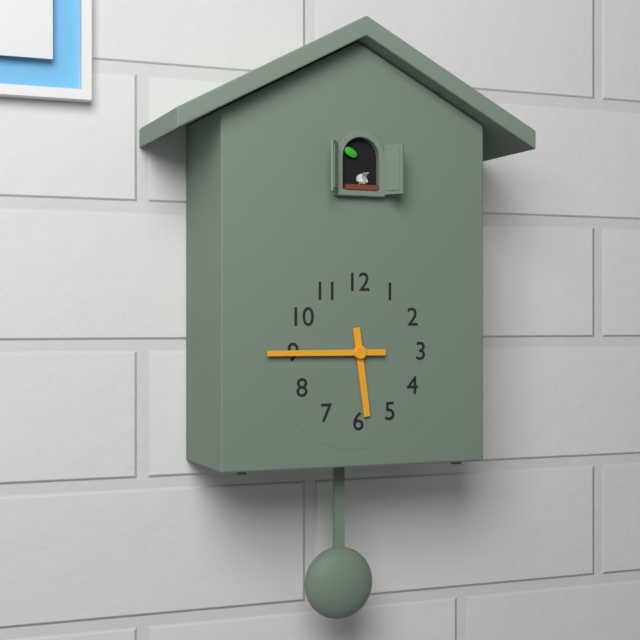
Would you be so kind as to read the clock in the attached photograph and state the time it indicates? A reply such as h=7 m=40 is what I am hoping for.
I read h=5 m=45
